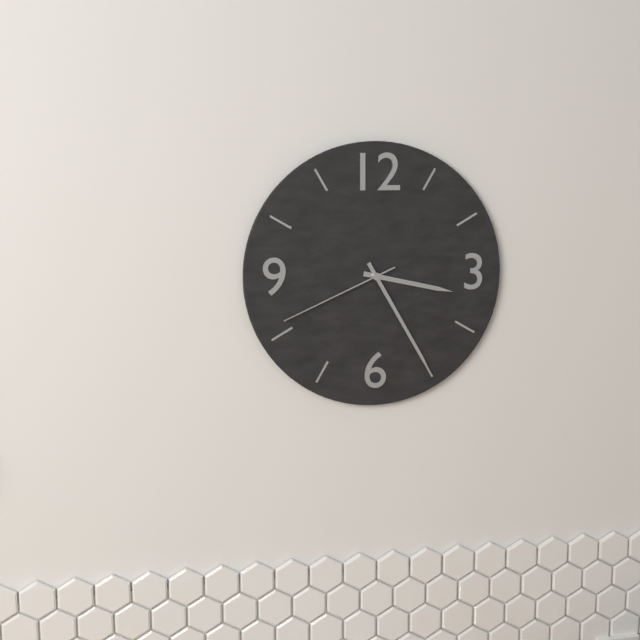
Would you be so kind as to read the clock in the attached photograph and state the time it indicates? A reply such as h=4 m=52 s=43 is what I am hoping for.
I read h=3 m=25 s=41
